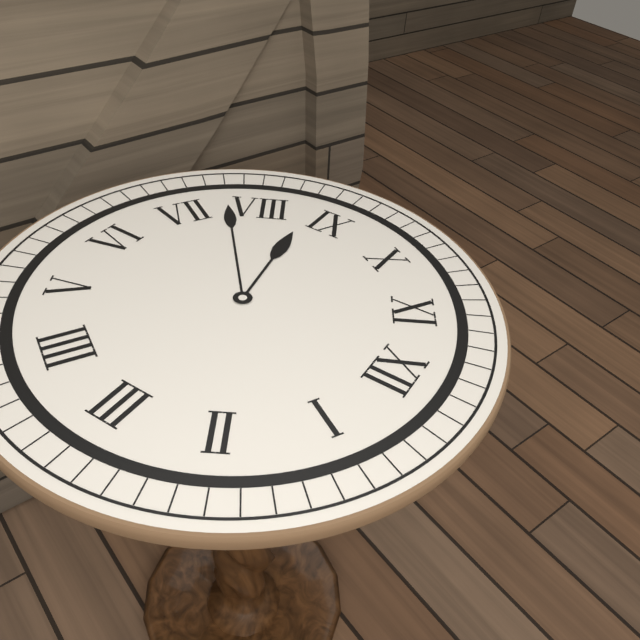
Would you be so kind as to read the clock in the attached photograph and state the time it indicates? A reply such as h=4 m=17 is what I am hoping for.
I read h=8 m=38
